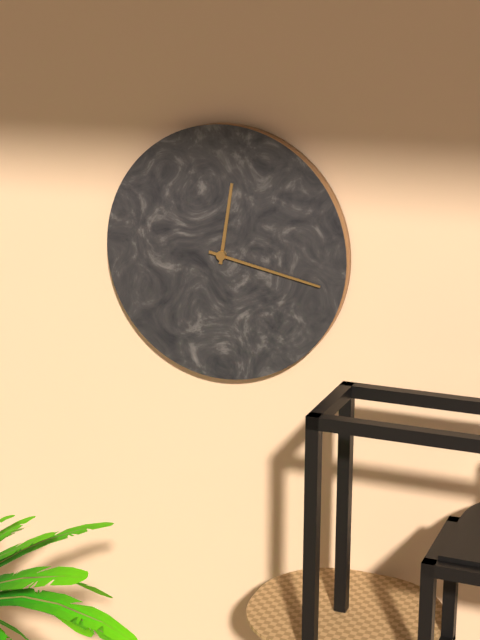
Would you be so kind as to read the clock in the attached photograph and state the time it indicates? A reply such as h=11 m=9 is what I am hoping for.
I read h=12 m=17
